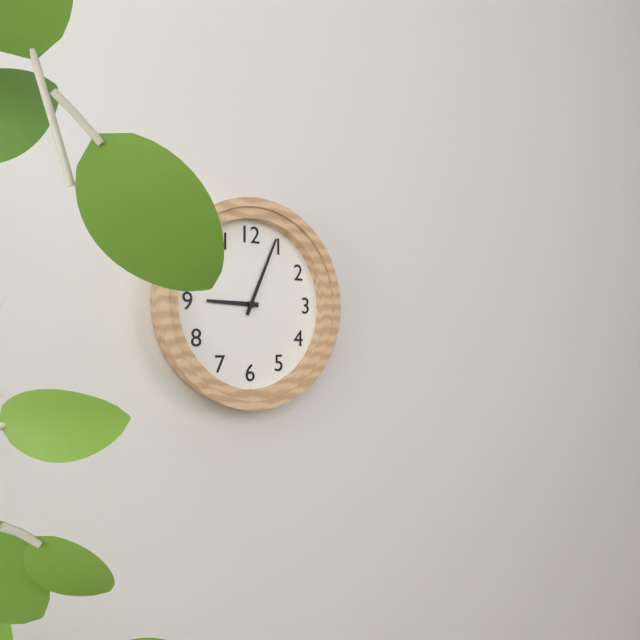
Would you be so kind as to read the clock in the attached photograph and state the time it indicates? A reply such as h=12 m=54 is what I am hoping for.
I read h=9 m=4
